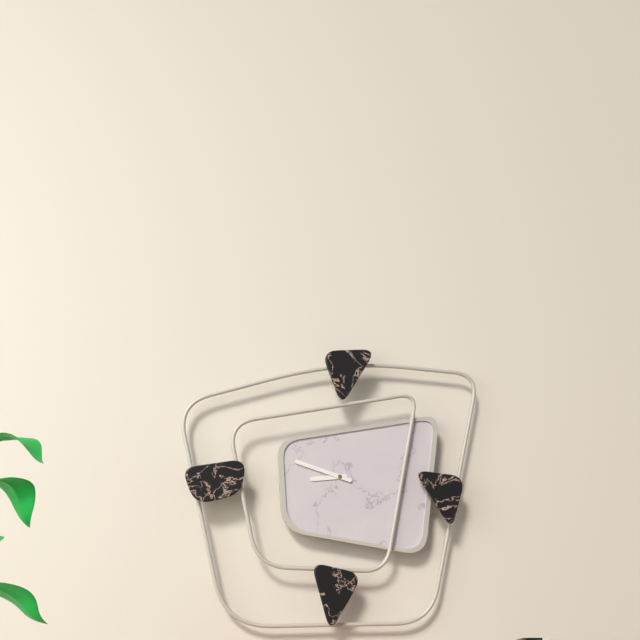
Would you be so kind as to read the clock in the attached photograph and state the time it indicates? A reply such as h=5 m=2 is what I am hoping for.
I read h=8 m=48
